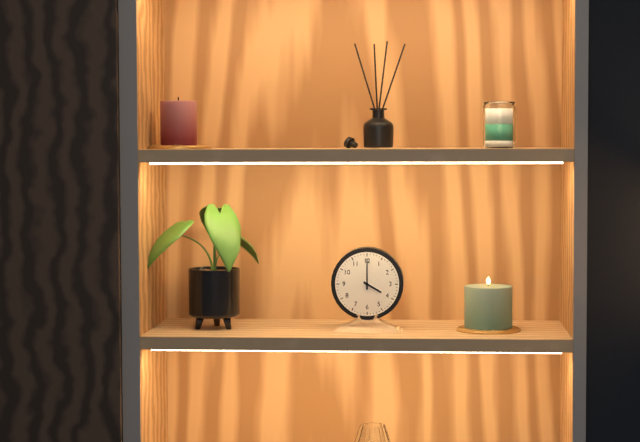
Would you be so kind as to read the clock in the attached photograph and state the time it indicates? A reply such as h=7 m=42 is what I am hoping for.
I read h=4 m=0
